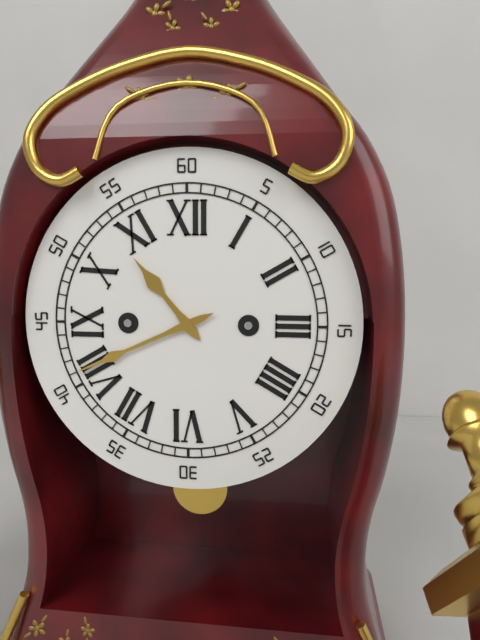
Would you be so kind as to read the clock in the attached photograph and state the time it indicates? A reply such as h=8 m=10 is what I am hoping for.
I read h=10 m=41
